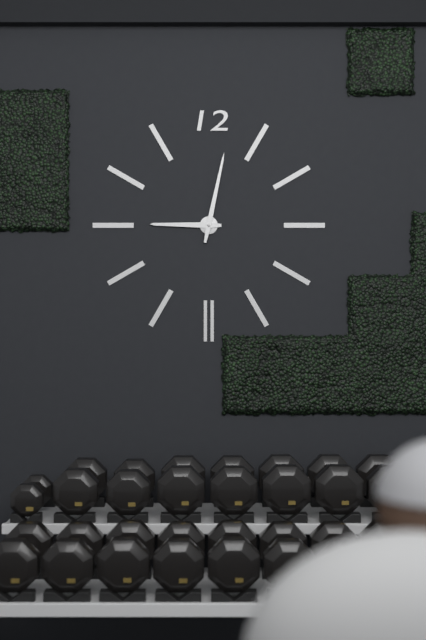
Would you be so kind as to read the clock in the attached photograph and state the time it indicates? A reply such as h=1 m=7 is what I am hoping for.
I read h=9 m=2
